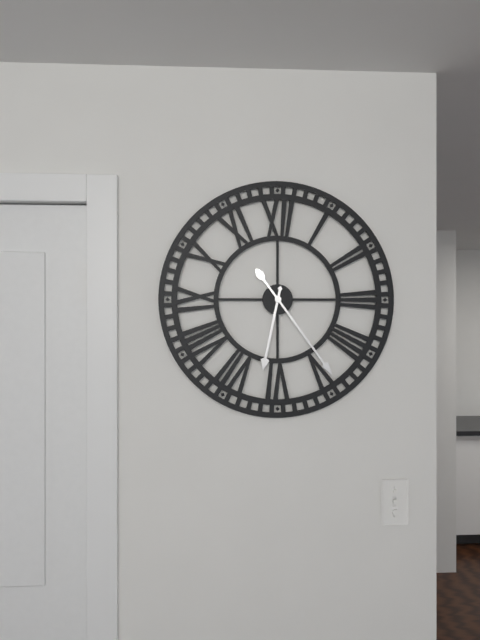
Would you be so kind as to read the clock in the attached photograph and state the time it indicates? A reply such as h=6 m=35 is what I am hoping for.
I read h=6 m=24
